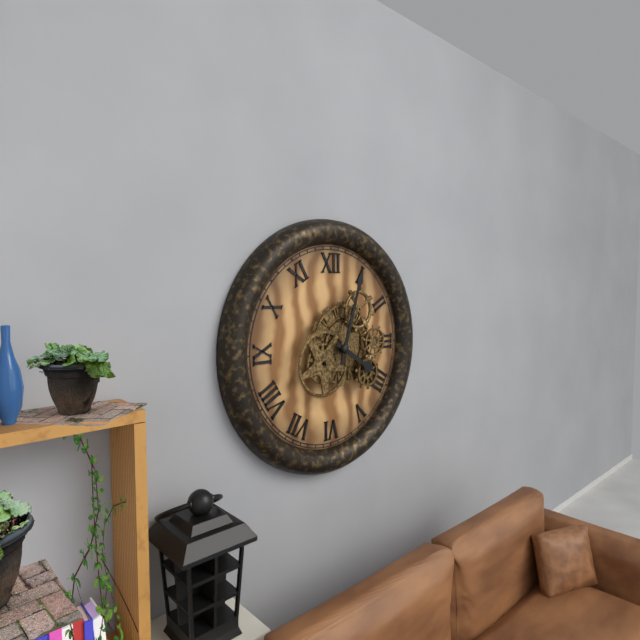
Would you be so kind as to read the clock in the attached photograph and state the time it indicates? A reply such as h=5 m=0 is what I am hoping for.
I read h=4 m=3
